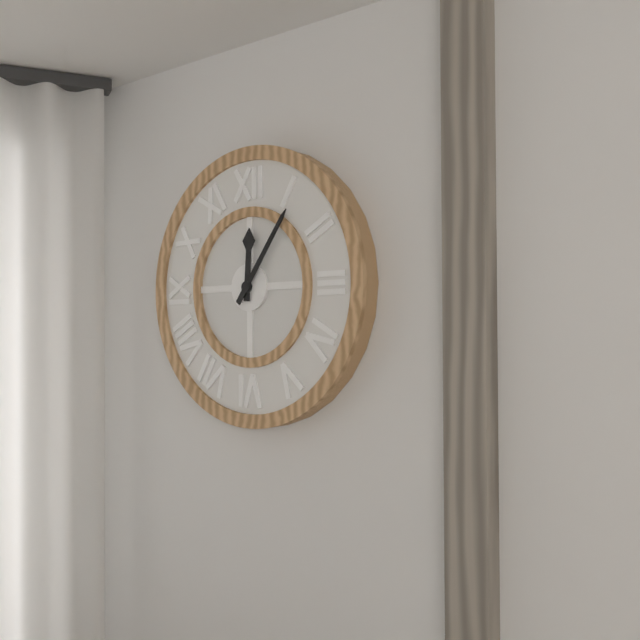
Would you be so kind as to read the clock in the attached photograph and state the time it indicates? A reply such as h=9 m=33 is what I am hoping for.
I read h=12 m=6
